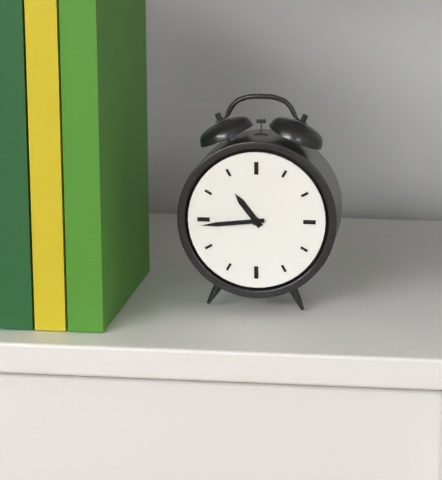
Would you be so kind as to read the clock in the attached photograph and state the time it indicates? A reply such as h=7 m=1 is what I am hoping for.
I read h=10 m=44
